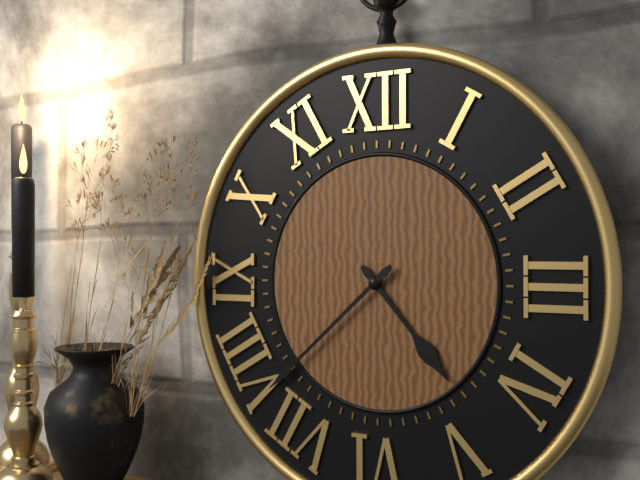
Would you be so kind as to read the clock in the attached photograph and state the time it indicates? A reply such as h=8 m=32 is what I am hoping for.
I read h=4 m=38
